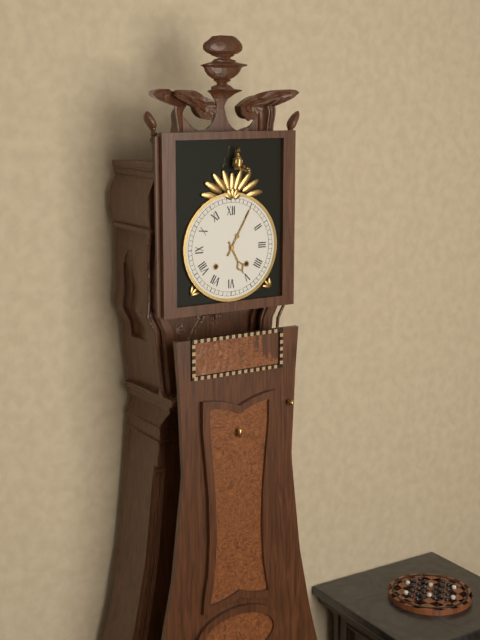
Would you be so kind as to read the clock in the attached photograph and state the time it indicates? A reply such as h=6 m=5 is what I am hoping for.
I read h=5 m=5
